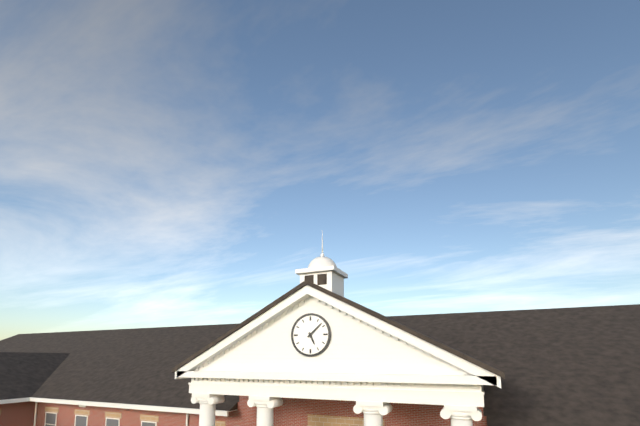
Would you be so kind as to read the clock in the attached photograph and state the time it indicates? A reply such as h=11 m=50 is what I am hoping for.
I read h=5 m=8
